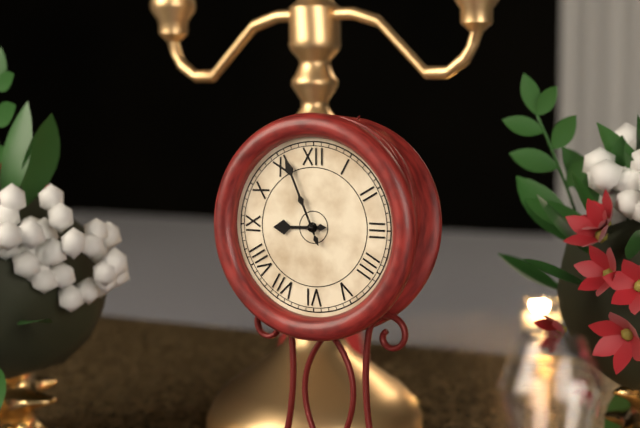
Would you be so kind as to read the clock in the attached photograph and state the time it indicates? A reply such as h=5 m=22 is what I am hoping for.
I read h=8 m=56
